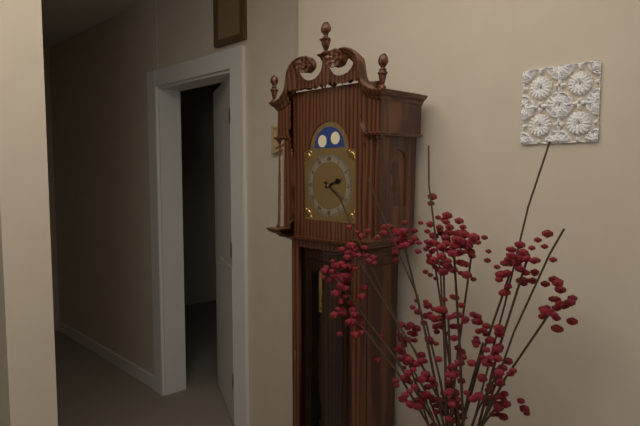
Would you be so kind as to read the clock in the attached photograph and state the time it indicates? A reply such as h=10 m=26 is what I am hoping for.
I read h=2 m=21
